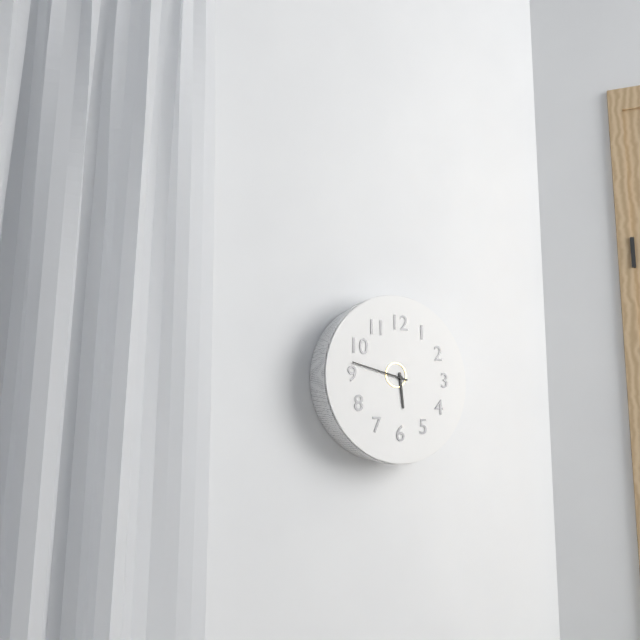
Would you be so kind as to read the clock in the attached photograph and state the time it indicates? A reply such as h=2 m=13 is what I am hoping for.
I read h=5 m=47
